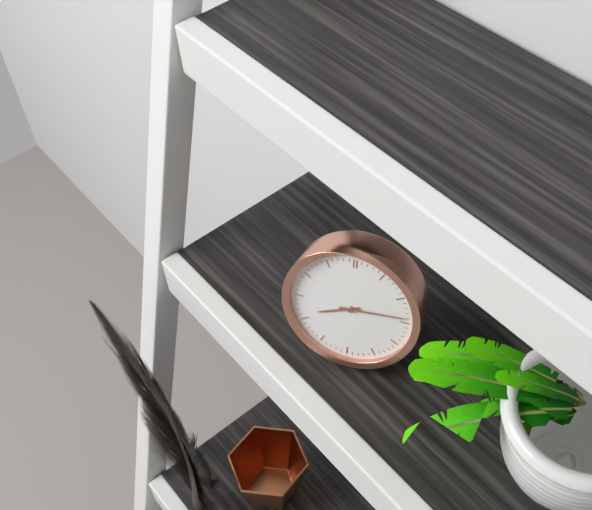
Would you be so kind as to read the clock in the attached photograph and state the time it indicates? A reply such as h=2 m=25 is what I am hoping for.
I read h=8 m=14
